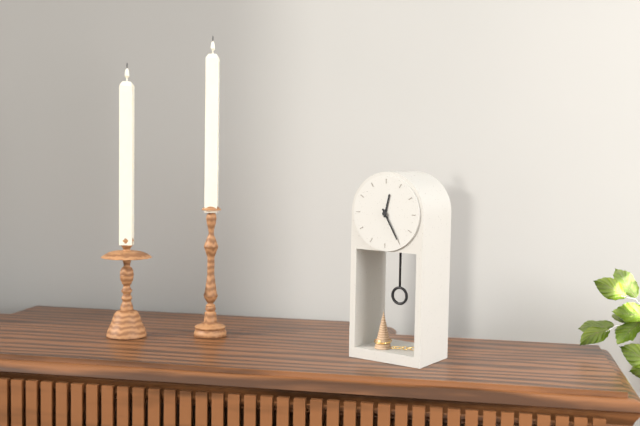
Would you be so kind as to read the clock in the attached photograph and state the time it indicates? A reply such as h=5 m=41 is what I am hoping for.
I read h=12 m=25
